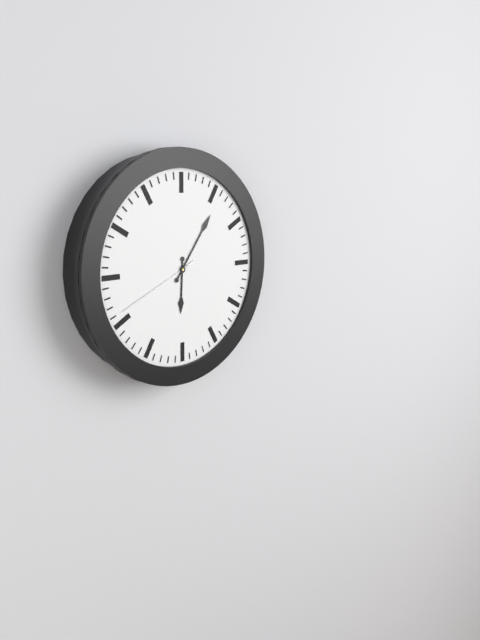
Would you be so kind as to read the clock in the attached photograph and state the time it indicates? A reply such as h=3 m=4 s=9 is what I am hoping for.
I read h=6 m=6 s=41
